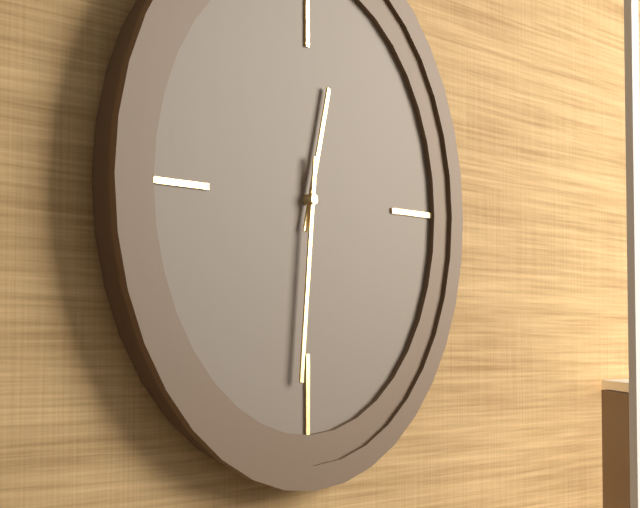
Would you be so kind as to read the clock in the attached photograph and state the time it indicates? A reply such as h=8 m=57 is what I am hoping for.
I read h=12 m=31
